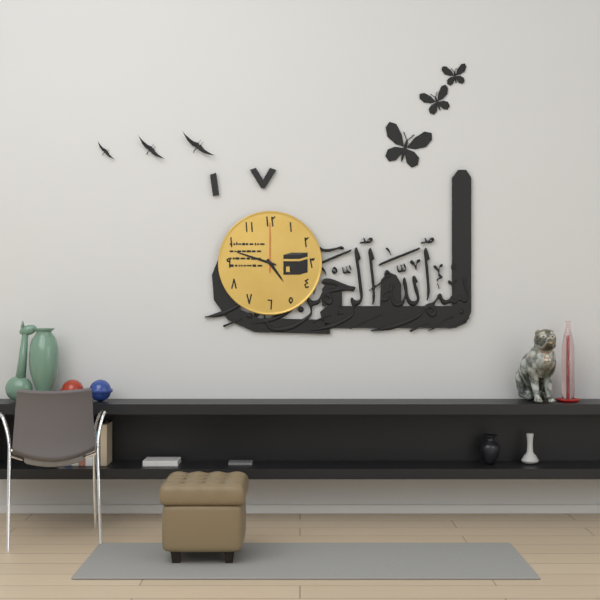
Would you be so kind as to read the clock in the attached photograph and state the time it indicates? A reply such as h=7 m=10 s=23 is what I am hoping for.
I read h=4 m=48 s=0
